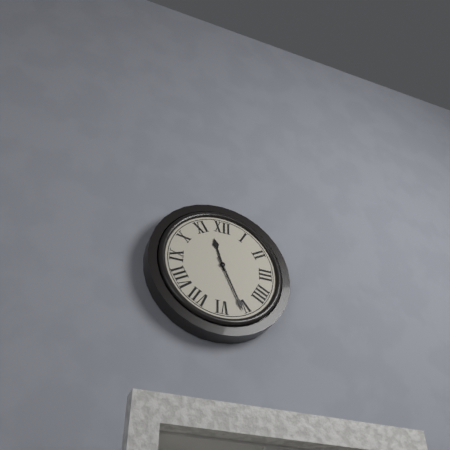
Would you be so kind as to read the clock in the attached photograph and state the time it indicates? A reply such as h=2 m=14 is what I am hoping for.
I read h=11 m=26
